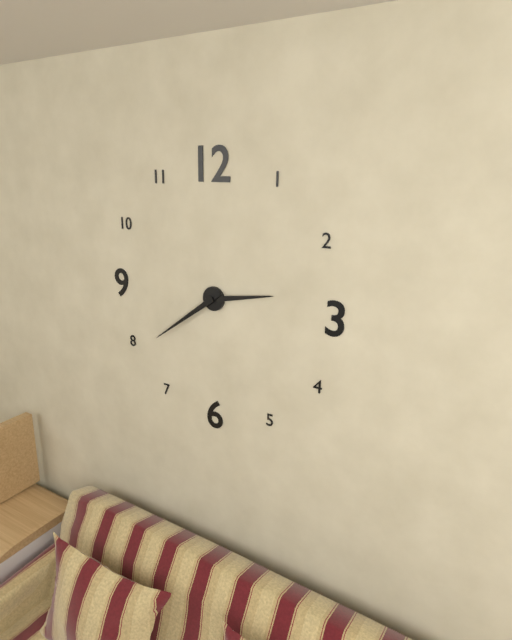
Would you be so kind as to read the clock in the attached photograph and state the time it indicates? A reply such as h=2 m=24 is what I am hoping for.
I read h=2 m=39
